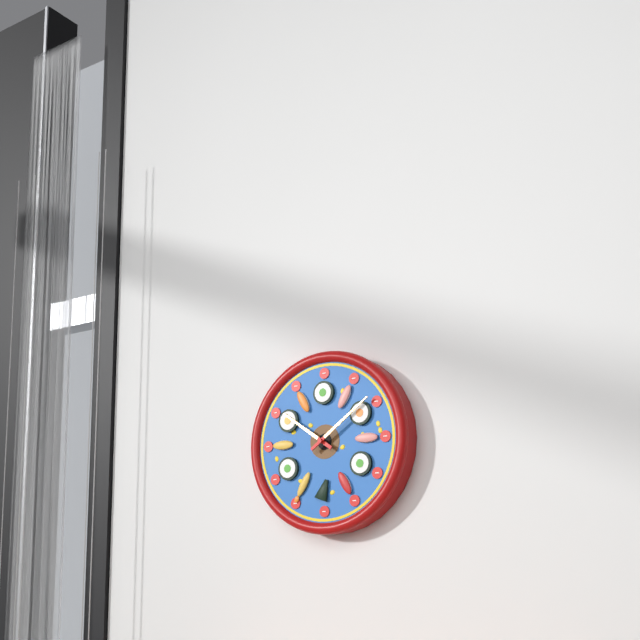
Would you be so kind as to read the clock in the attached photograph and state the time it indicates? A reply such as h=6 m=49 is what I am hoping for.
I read h=10 m=9
